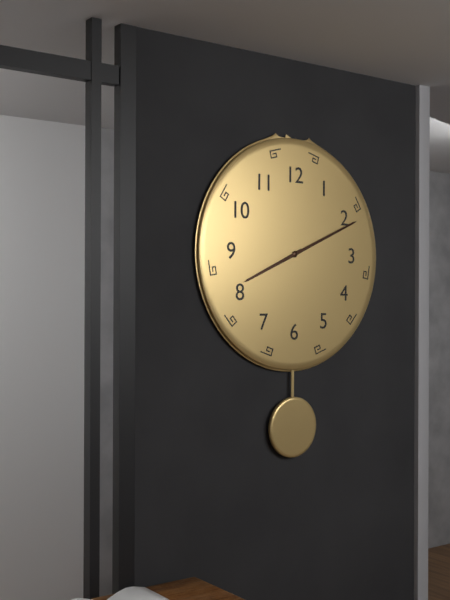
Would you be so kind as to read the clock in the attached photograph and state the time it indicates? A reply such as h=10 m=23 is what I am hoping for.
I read h=8 m=11
